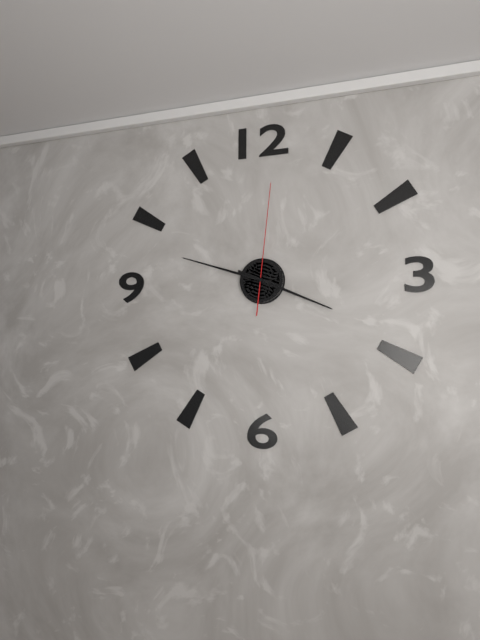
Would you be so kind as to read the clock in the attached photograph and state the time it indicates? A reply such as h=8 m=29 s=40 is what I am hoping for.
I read h=3 m=48 s=1
